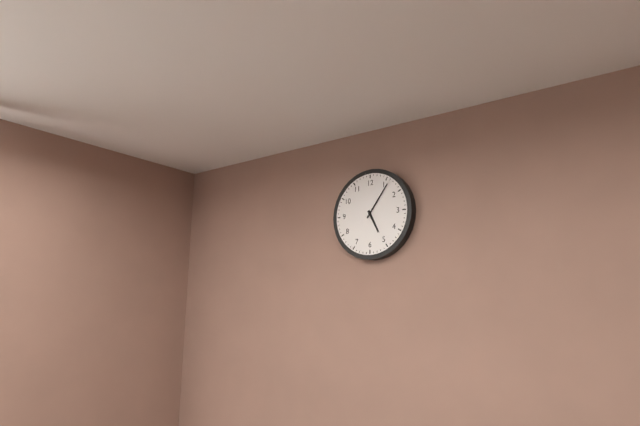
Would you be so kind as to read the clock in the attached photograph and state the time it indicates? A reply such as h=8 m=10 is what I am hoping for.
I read h=5 m=6
